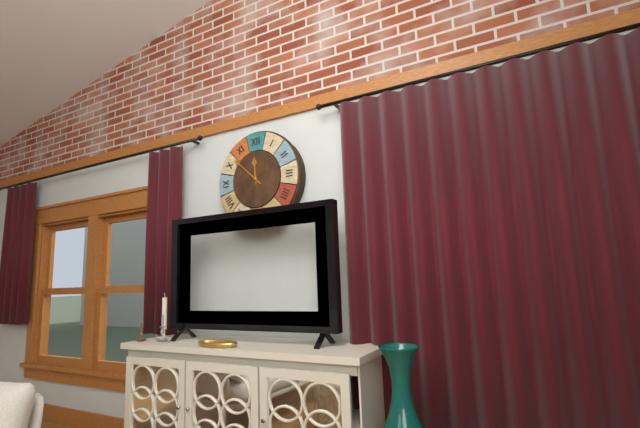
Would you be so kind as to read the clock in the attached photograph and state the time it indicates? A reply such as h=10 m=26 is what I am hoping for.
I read h=11 m=52
